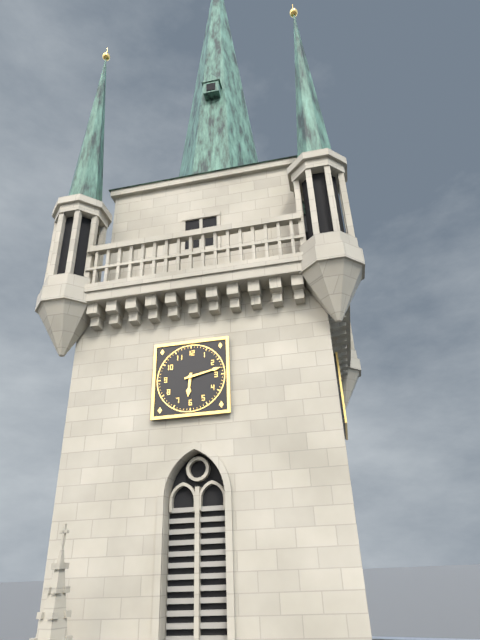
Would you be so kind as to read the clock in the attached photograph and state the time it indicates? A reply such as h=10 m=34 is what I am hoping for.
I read h=6 m=13
